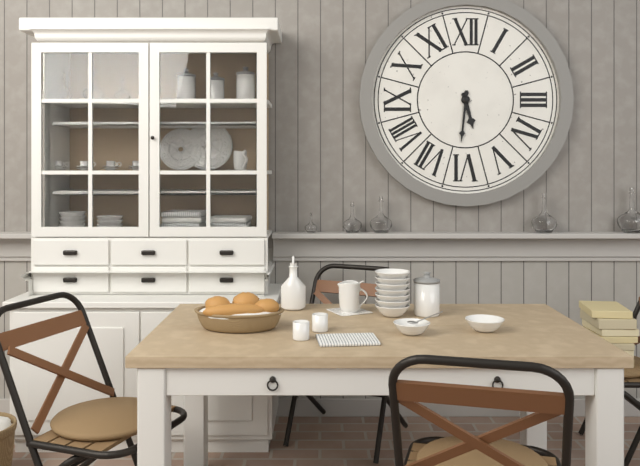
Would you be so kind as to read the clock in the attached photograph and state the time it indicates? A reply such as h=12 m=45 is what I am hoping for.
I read h=5 m=31
